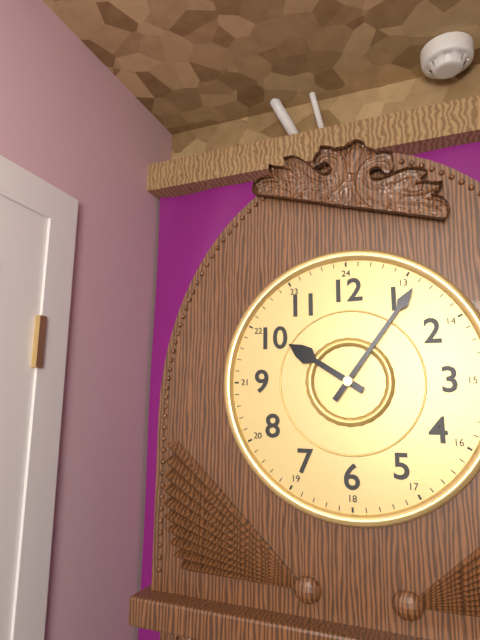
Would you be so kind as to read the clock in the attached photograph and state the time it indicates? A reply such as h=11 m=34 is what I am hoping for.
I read h=10 m=6
